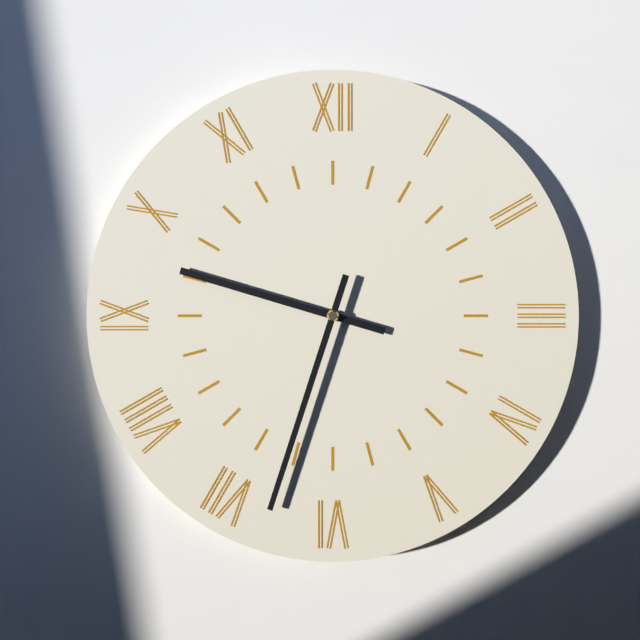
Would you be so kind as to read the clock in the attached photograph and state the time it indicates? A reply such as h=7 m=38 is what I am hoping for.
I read h=9 m=33
